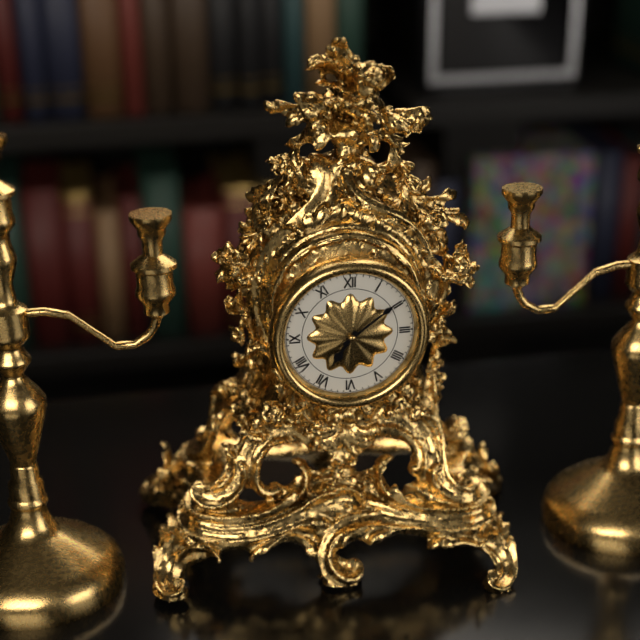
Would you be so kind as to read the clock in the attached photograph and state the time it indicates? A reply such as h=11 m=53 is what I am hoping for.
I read h=7 m=9
